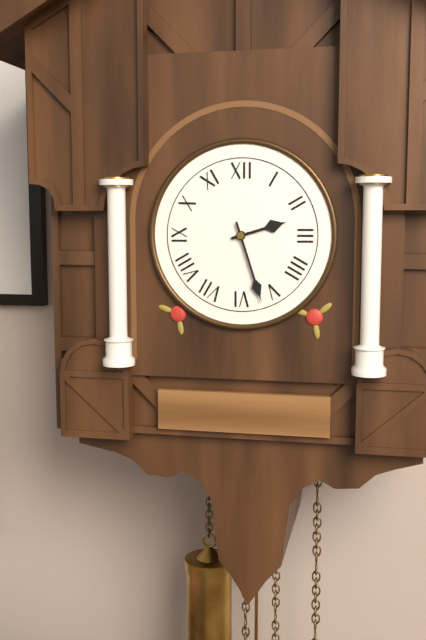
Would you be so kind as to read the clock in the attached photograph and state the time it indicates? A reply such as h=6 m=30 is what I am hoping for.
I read h=2 m=27
